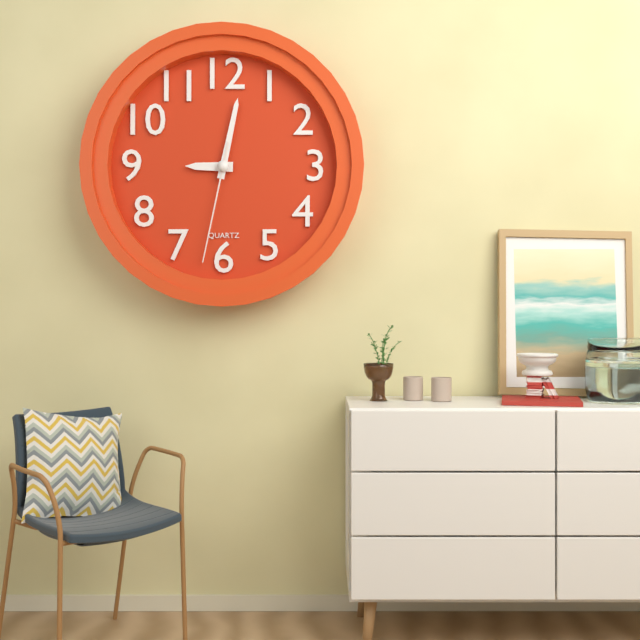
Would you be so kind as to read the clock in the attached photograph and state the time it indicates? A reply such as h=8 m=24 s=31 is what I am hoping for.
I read h=9 m=2 s=32
